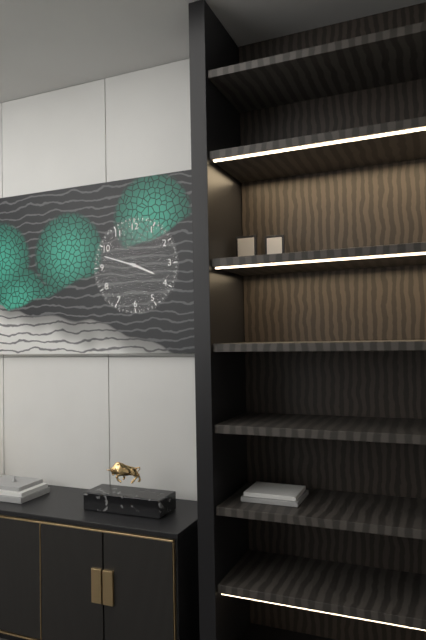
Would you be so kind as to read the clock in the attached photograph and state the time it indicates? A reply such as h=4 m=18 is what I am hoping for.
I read h=3 m=48
